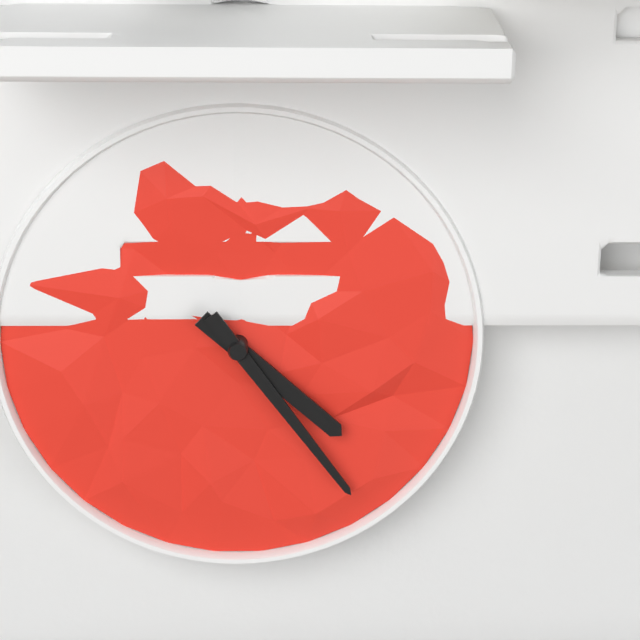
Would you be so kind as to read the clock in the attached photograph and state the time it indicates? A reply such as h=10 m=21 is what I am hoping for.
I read h=4 m=24
